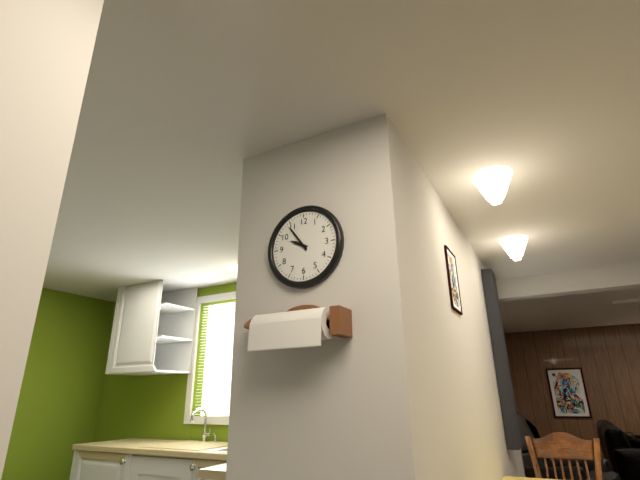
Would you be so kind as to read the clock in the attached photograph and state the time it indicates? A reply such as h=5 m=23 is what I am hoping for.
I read h=9 m=54
